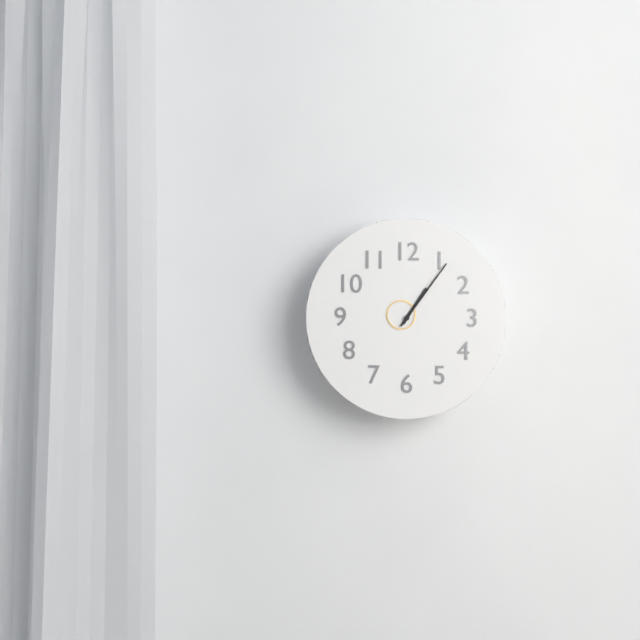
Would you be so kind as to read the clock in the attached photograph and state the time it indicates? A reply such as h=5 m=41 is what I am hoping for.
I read h=1 m=6
